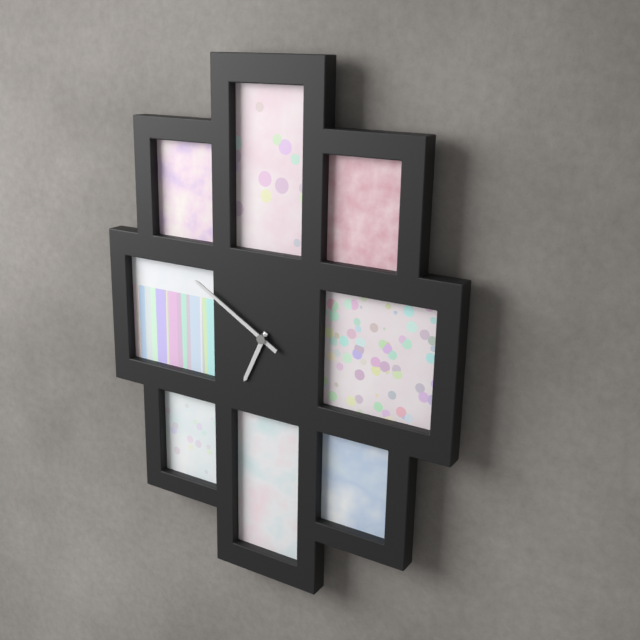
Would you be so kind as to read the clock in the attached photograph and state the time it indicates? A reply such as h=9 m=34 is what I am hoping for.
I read h=6 m=50
